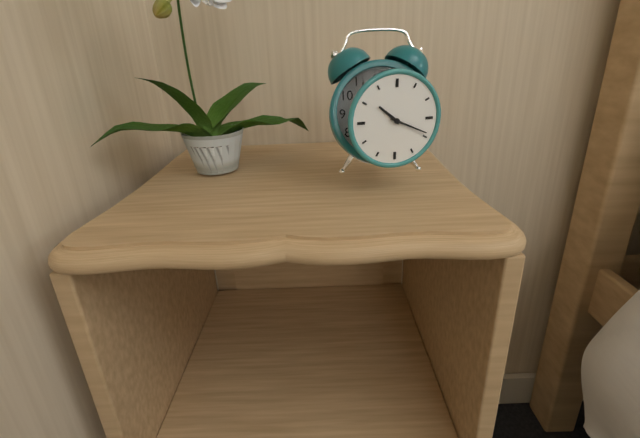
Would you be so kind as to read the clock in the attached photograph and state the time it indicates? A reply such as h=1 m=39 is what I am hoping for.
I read h=10 m=19
